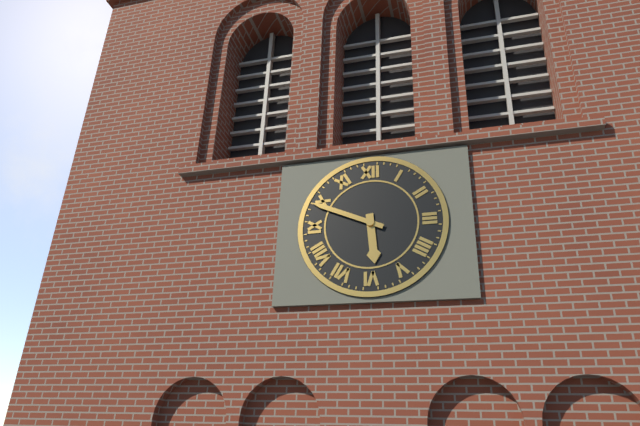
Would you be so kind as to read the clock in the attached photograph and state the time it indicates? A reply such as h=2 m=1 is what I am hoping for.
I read h=5 m=49
